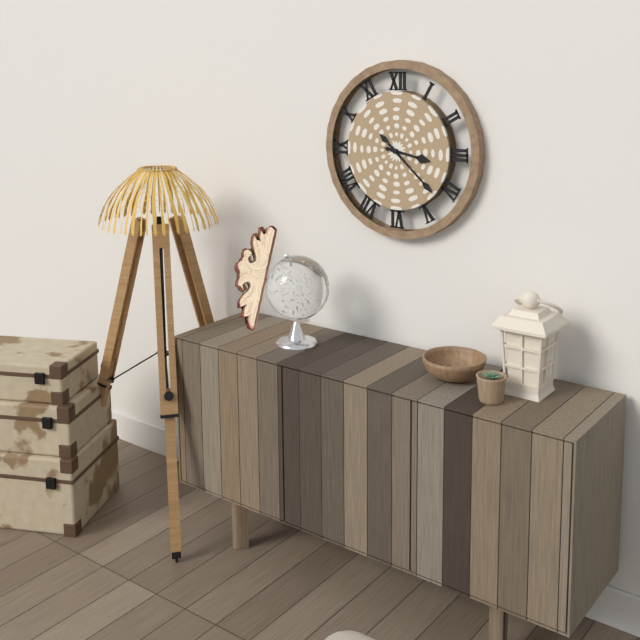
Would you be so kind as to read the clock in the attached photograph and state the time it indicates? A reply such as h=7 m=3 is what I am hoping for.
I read h=3 m=22
